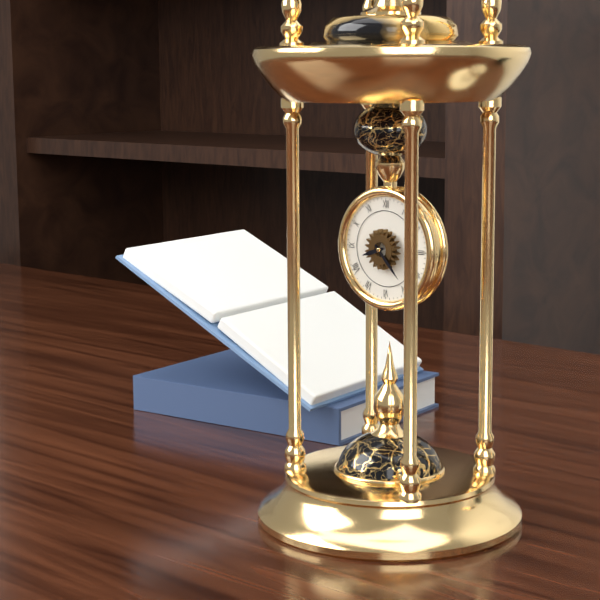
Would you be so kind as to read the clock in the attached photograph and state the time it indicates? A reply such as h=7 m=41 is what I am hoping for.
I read h=8 m=23
